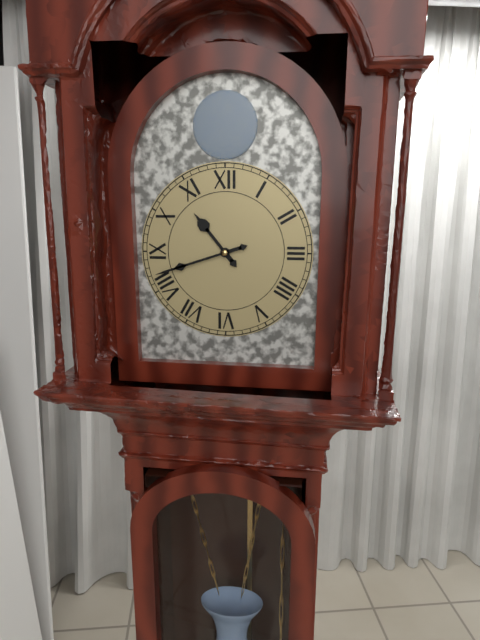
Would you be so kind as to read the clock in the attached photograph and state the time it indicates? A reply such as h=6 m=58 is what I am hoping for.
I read h=10 m=42
